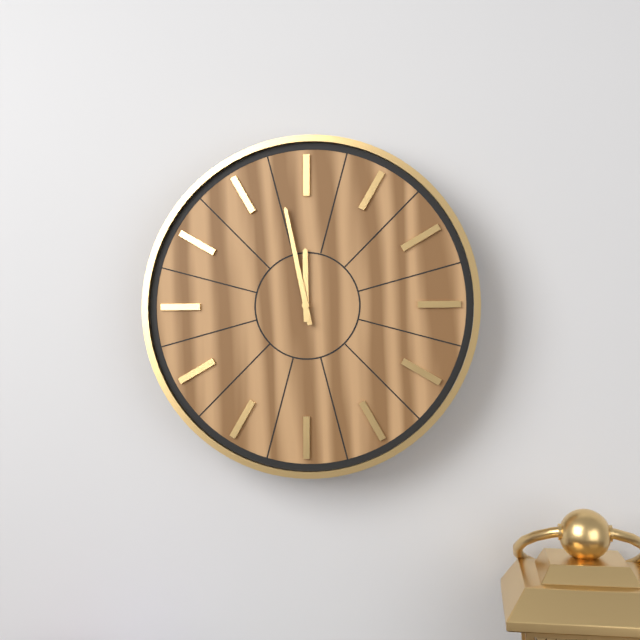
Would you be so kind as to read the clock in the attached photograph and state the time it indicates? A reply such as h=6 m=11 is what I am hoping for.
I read h=11 m=58
